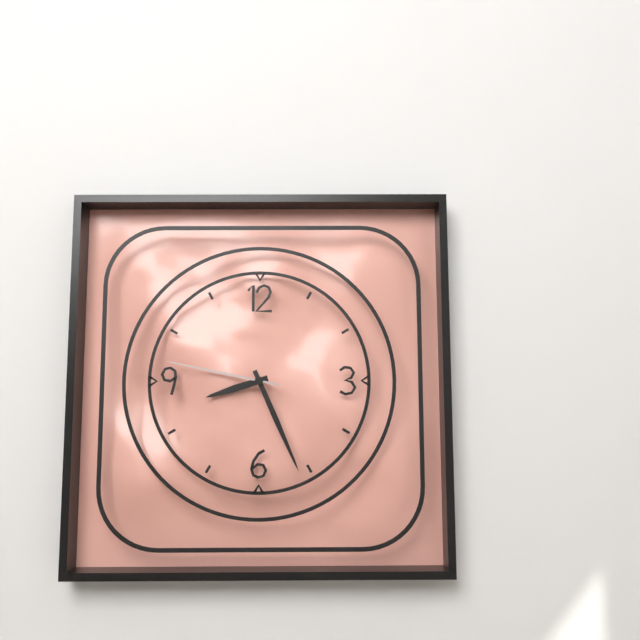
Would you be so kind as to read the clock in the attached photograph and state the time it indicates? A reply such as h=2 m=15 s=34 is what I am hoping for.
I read h=8 m=26 s=47
